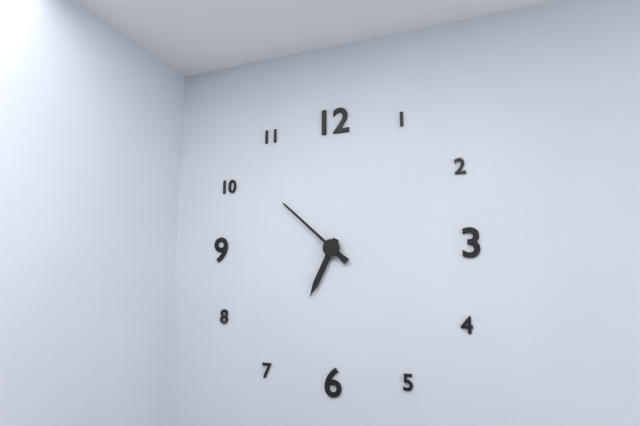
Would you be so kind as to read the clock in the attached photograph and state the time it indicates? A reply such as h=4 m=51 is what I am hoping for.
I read h=6 m=52
